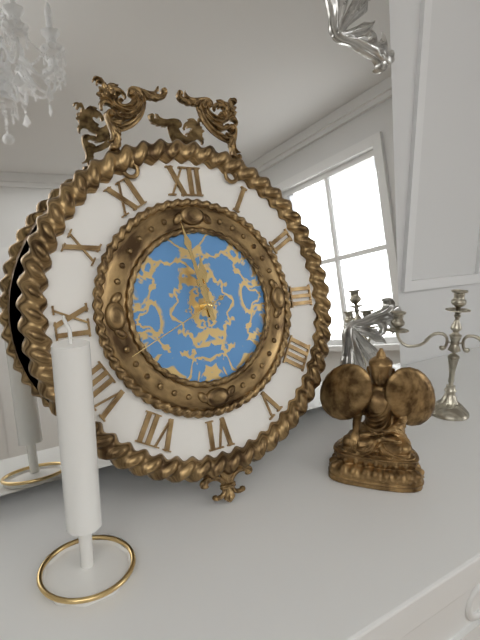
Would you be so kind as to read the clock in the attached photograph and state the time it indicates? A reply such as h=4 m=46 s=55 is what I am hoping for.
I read h=11 m=58 s=41
